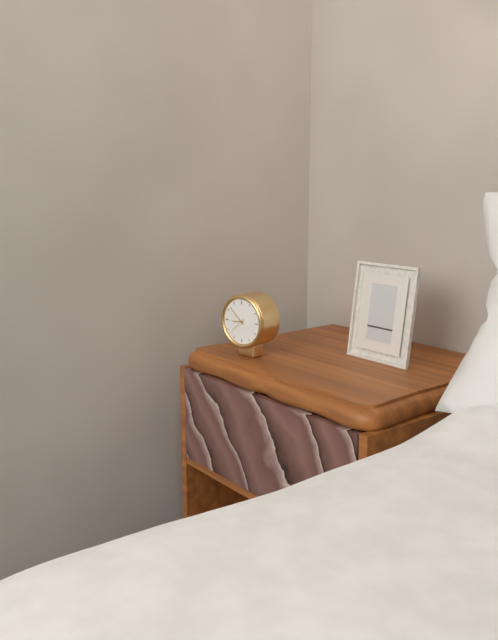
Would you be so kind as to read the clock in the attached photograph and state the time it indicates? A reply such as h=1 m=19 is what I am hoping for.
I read h=8 m=52
